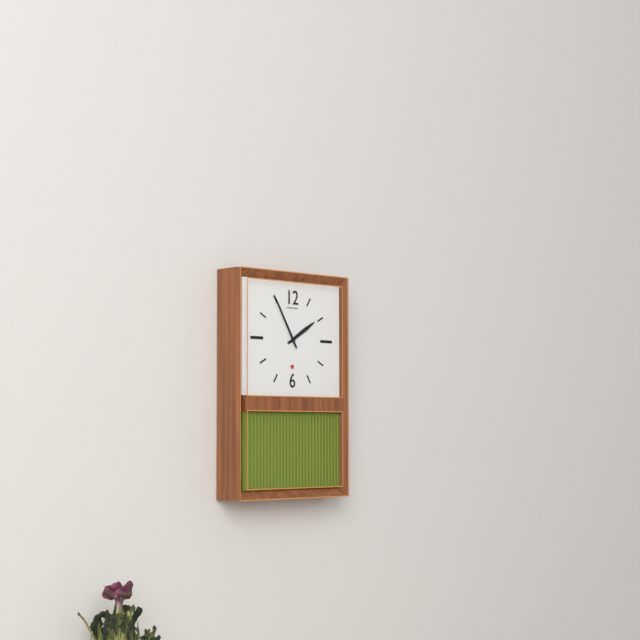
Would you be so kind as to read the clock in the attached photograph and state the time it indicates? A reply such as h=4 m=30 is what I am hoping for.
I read h=1 m=55
